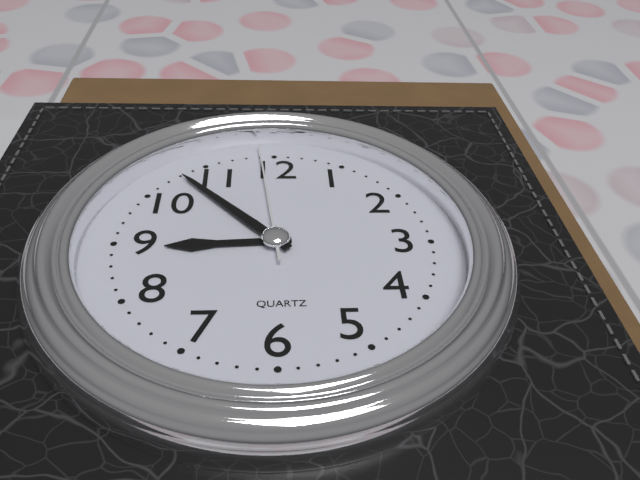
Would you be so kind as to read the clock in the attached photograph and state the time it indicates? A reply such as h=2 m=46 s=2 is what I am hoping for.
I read h=8 m=53 s=59
